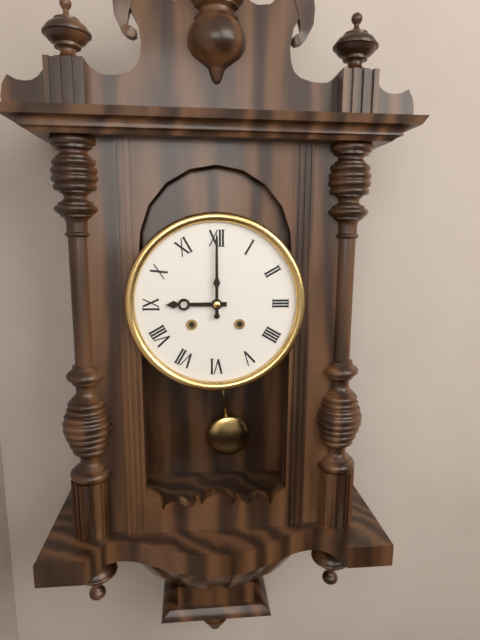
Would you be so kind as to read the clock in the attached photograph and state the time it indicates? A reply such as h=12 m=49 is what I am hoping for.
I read h=9 m=0
